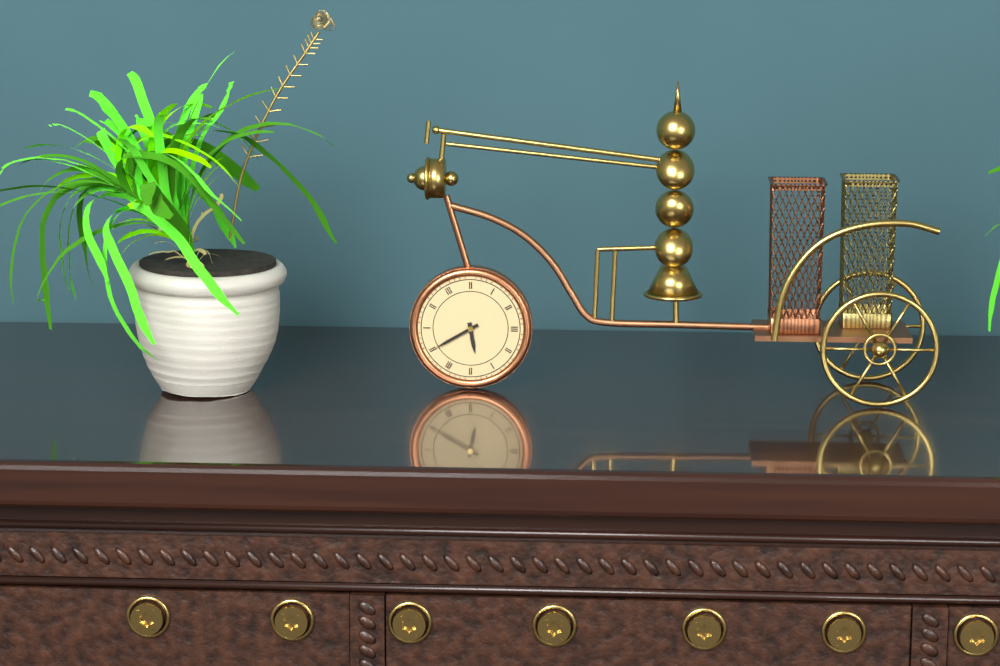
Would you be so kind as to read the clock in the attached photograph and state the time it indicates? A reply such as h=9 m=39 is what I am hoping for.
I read h=5 m=40
